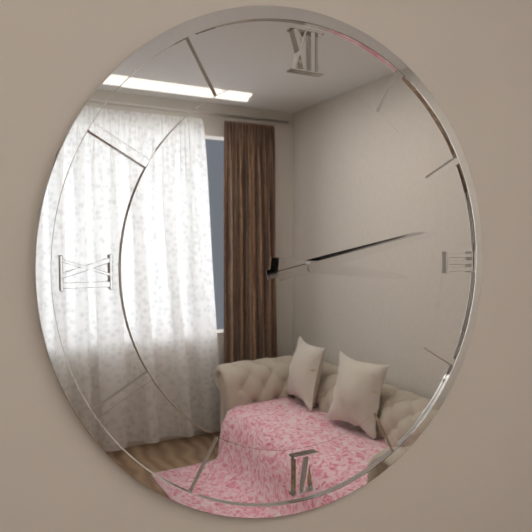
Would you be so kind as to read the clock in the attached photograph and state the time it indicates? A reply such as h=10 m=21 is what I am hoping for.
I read h=3 m=13
